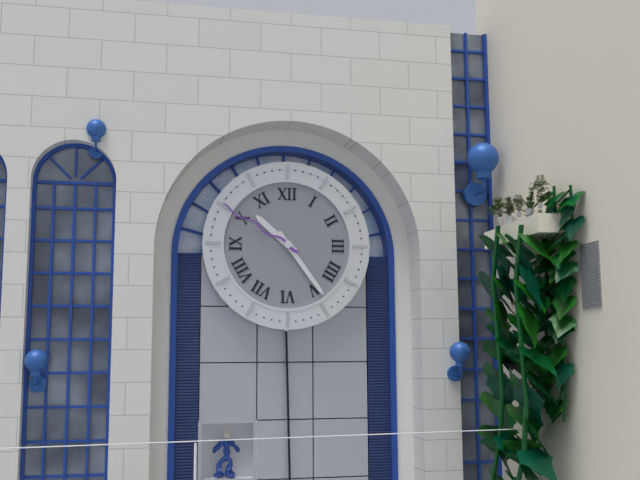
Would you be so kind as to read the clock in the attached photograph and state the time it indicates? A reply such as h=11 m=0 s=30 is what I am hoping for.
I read h=10 m=24 s=50
